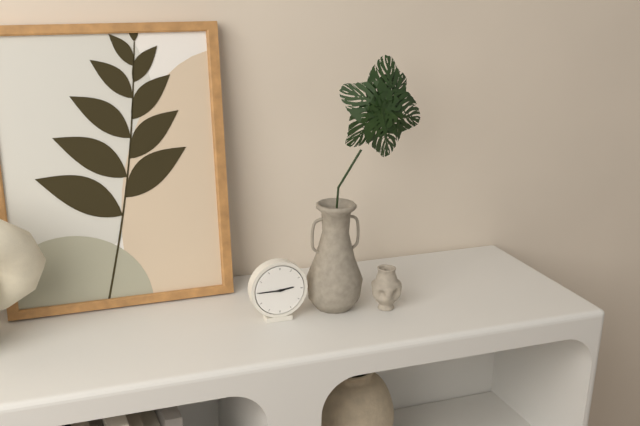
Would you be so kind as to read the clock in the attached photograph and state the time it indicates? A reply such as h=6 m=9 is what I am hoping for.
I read h=2 m=45
